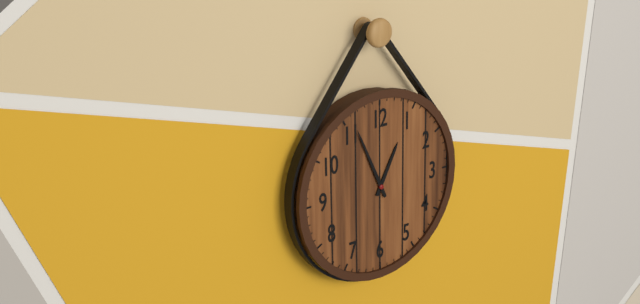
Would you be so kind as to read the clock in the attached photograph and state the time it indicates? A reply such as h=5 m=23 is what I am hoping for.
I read h=12 m=56
